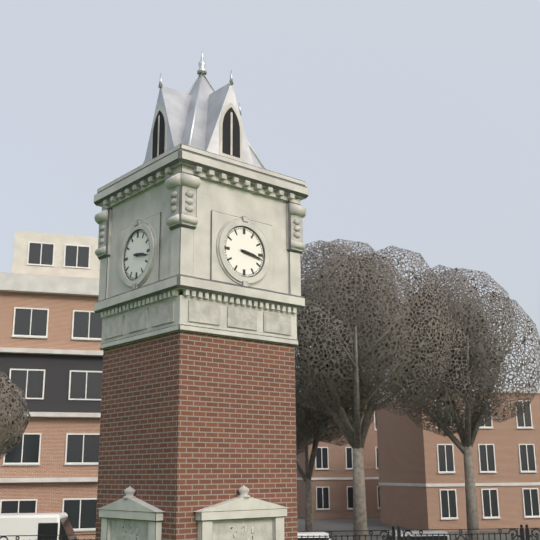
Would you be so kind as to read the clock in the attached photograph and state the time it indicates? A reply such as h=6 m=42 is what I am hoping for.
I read h=3 m=17
